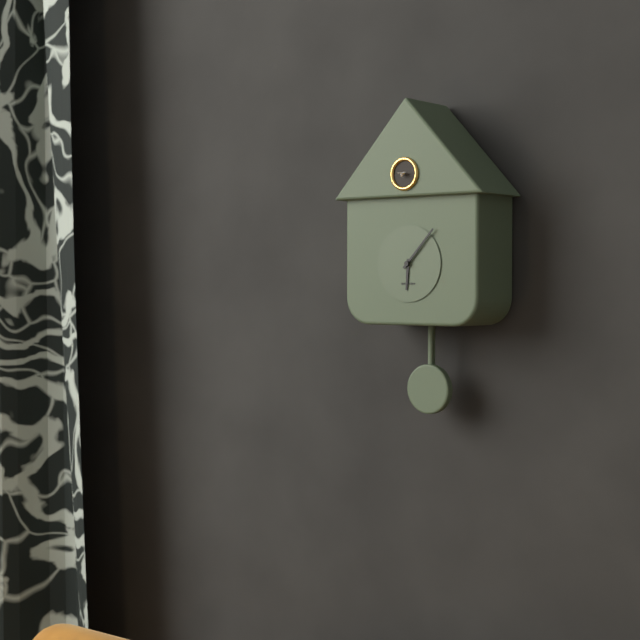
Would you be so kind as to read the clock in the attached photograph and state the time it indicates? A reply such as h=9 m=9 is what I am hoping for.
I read h=6 m=7
